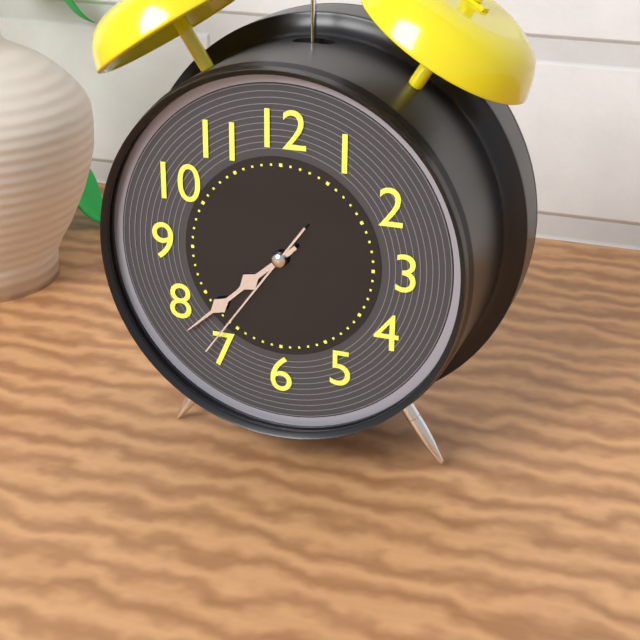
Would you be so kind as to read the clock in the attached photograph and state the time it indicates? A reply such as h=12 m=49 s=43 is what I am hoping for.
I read h=7 m=38 s=36
